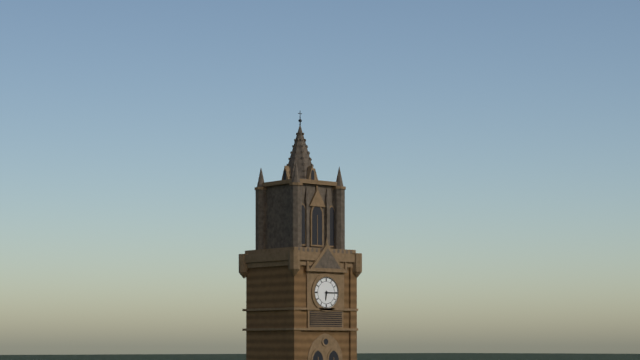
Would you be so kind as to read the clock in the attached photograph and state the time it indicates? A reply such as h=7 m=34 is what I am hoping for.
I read h=6 m=15
